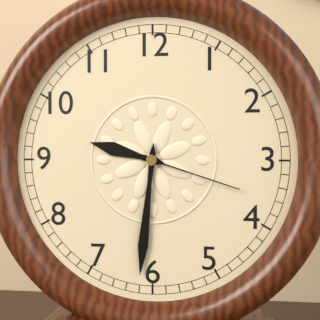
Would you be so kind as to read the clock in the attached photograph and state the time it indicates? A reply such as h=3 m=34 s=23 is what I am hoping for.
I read h=9 m=31 s=18
